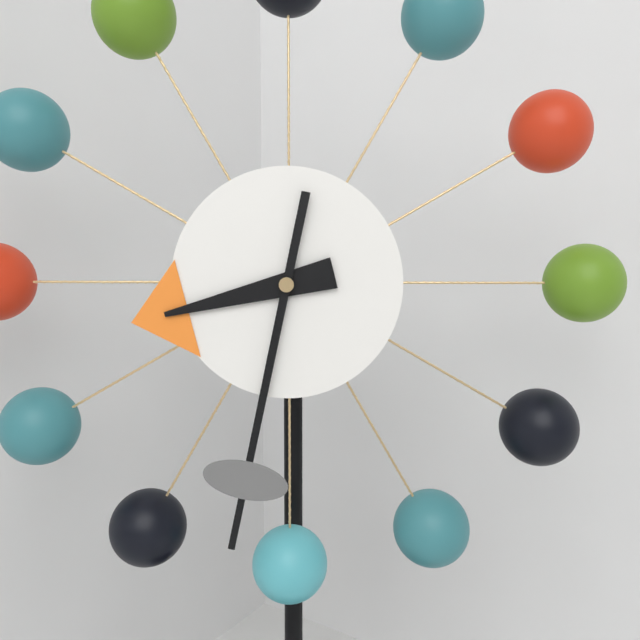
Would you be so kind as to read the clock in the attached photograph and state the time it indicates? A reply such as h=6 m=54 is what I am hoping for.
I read h=8 m=32
